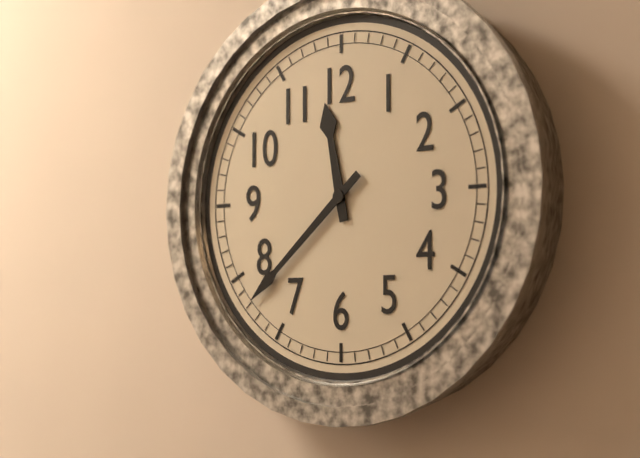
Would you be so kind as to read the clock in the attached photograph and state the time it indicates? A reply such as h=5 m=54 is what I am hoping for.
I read h=11 m=38
